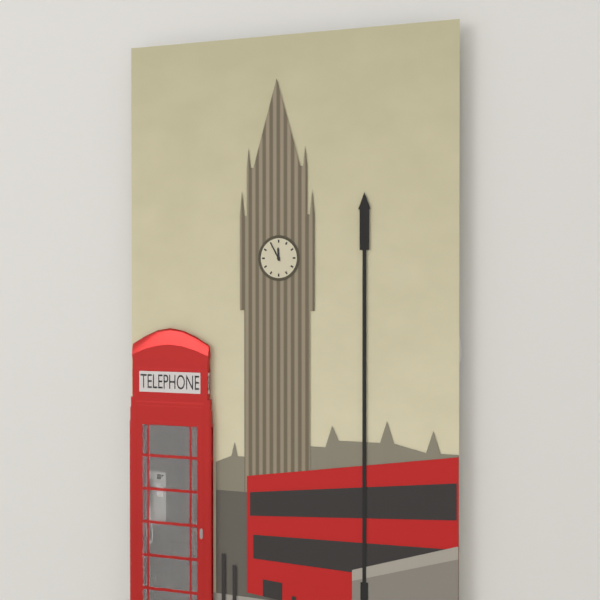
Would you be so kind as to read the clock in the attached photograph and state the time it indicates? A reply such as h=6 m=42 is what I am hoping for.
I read h=11 m=55
